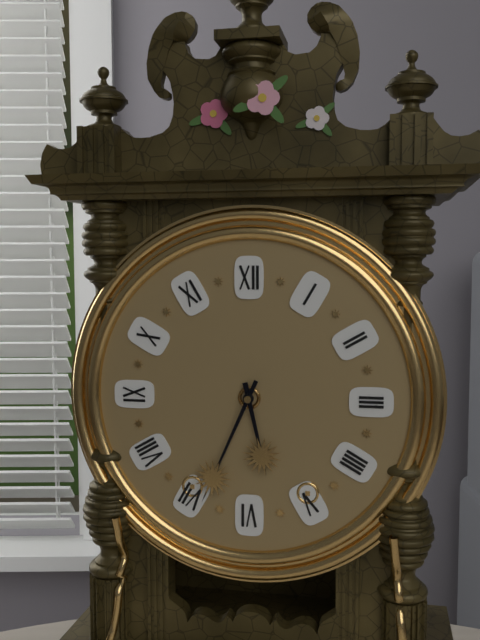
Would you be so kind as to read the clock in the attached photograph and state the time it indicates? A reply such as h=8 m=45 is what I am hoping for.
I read h=5 m=34
